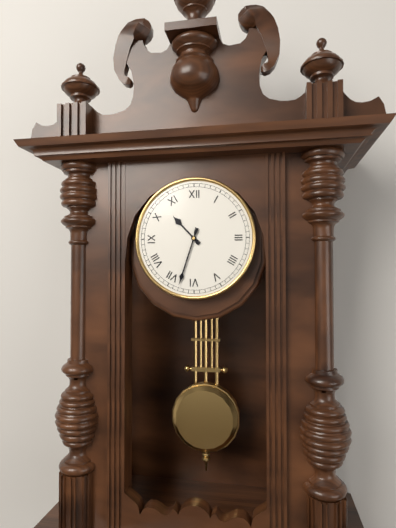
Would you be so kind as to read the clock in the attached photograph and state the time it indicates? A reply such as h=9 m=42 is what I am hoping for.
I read h=10 m=33
